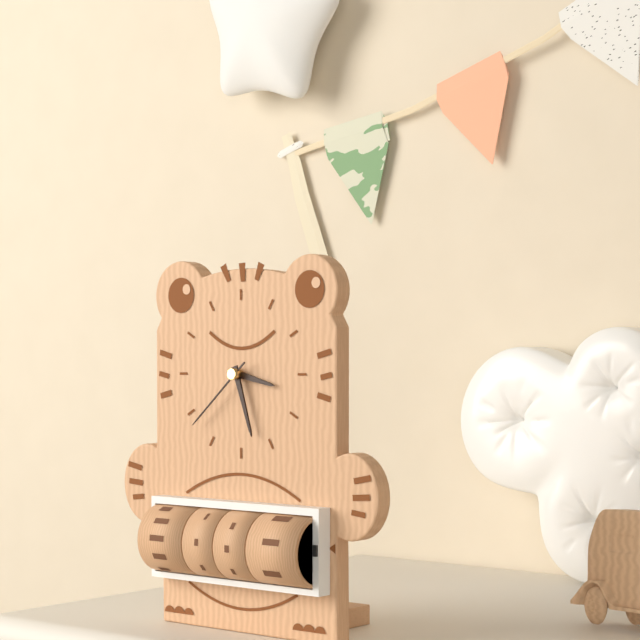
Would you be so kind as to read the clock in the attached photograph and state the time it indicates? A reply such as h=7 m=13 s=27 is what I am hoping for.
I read h=3 m=27 s=38
